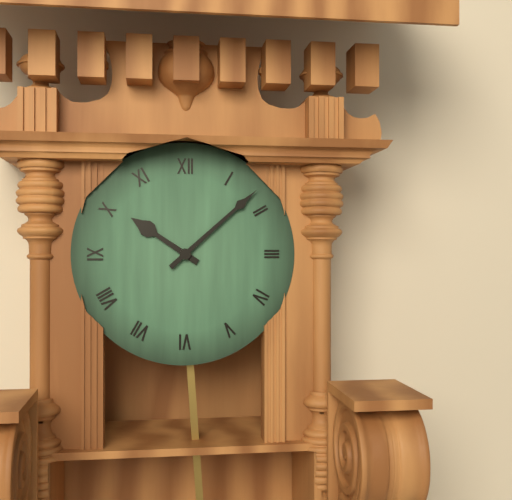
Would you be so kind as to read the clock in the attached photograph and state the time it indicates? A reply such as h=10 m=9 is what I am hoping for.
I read h=10 m=8
